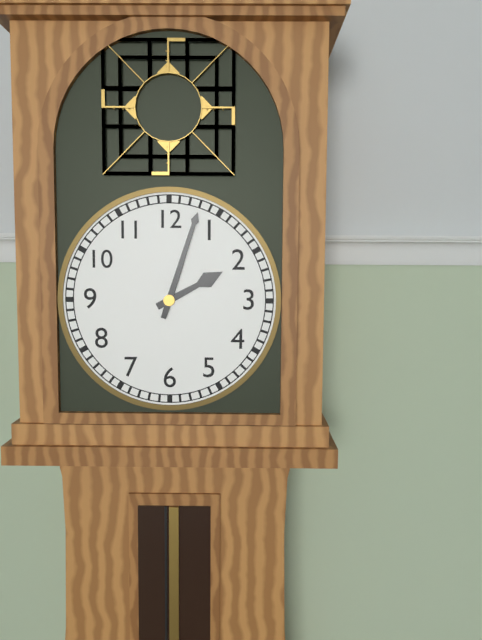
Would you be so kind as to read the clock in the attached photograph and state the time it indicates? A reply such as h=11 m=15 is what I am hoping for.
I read h=2 m=3
